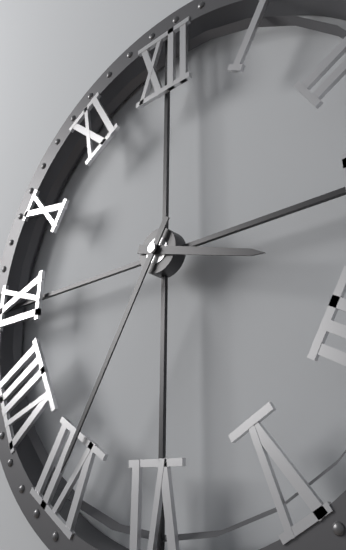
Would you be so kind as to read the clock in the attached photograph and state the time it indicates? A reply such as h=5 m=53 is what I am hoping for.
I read h=3 m=35
